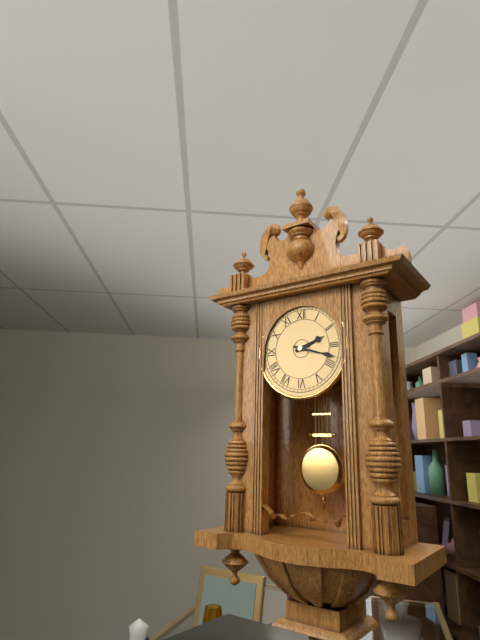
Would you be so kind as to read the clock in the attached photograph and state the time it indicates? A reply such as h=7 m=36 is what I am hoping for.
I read h=2 m=18
